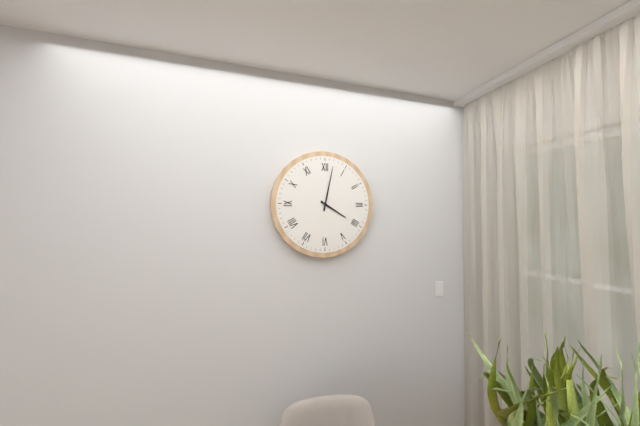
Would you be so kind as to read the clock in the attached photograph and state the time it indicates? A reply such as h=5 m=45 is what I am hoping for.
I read h=4 m=2
